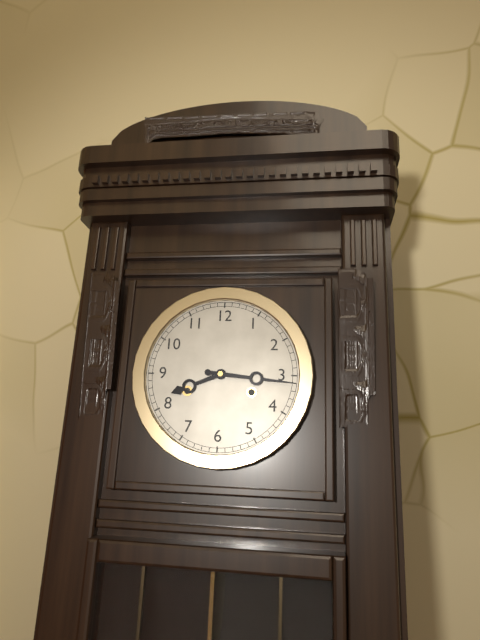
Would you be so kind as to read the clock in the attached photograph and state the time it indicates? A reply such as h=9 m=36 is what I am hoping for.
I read h=8 m=16
